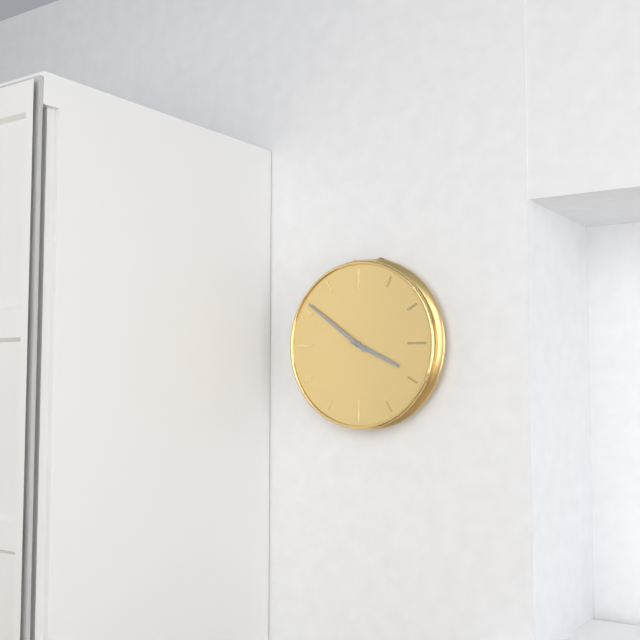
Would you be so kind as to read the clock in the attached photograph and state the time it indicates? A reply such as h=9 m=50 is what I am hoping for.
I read h=3 m=51
